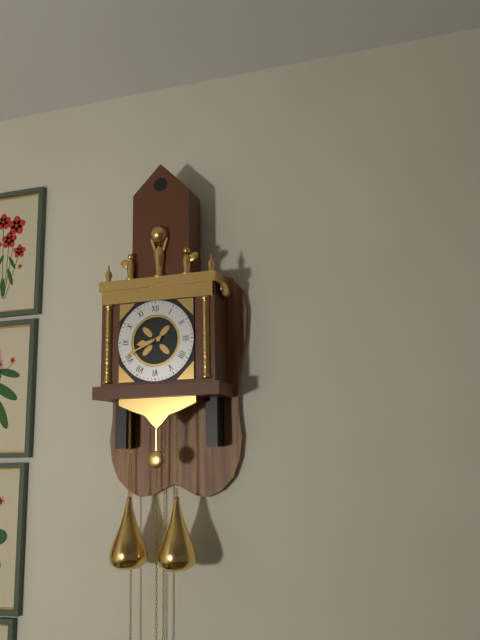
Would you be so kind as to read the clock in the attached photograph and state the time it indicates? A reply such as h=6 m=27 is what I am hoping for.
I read h=8 m=41
